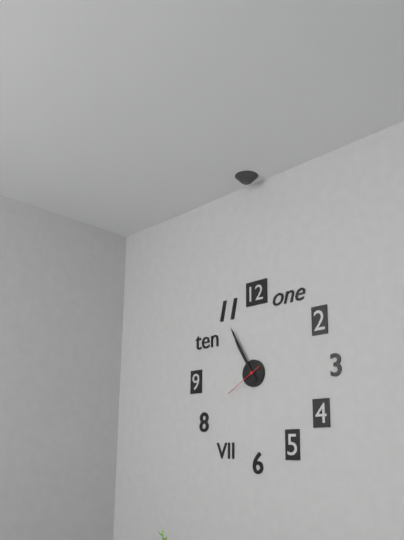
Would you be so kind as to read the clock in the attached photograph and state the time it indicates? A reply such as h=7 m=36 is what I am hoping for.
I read h=10 m=55
